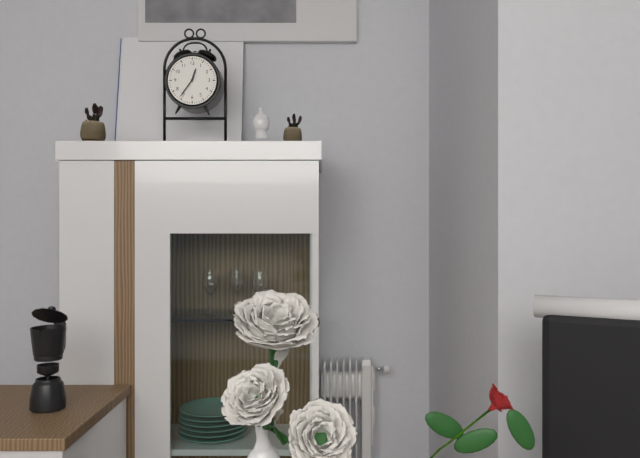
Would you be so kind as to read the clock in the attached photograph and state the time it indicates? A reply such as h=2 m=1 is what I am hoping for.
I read h=12 m=36
